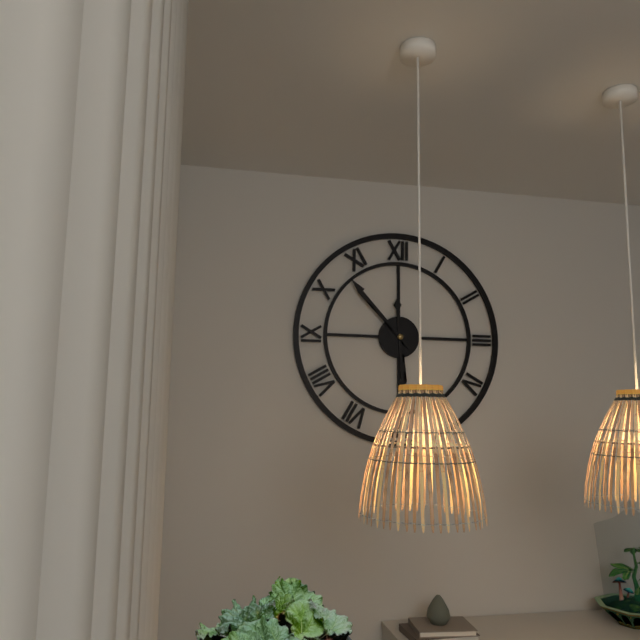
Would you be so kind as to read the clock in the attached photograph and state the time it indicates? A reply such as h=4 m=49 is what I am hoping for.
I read h=5 m=53
